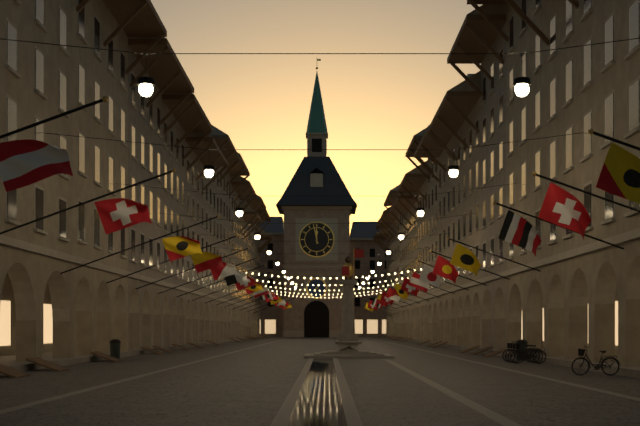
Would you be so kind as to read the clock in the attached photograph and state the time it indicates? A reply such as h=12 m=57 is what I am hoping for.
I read h=11 m=58
